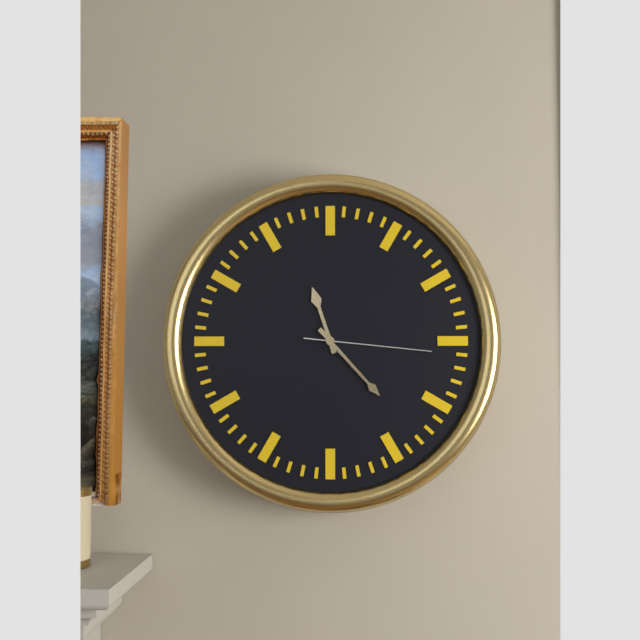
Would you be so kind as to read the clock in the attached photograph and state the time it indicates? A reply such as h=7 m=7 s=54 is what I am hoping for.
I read h=11 m=23 s=16
